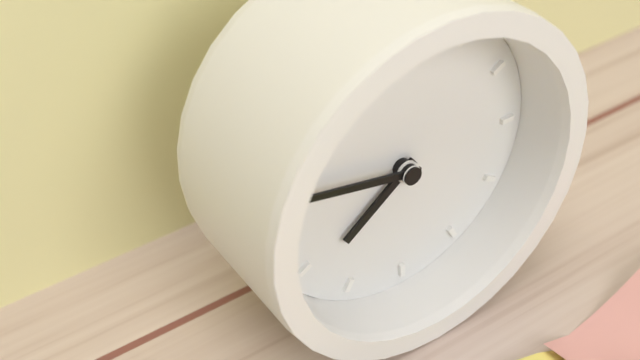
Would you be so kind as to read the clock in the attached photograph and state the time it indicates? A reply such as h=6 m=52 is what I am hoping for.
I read h=7 m=47
